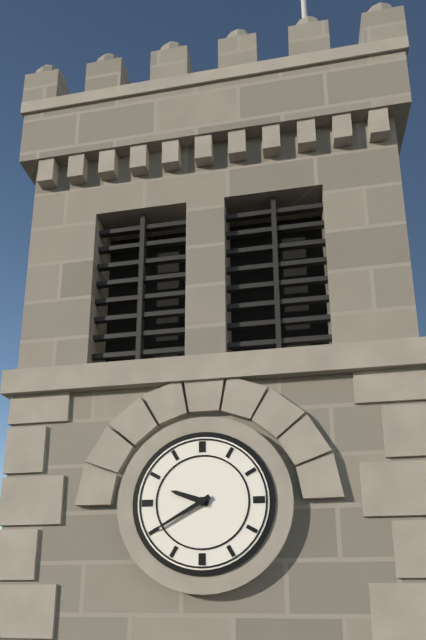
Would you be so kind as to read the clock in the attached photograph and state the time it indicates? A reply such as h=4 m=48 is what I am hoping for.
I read h=9 m=40
